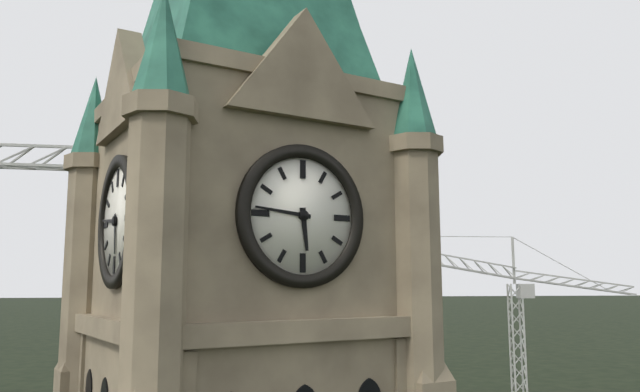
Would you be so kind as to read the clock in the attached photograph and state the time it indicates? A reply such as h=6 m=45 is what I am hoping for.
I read h=5 m=46
